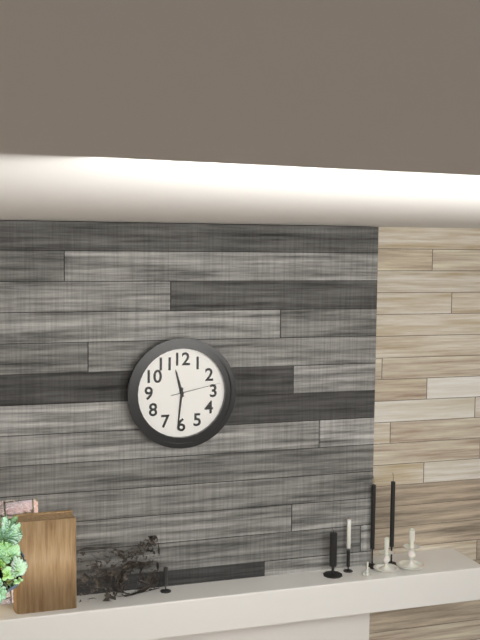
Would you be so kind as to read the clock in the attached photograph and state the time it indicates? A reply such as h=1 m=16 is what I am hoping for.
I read h=11 m=31
